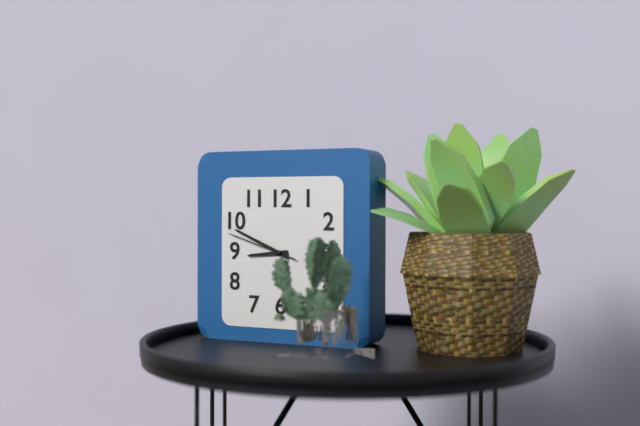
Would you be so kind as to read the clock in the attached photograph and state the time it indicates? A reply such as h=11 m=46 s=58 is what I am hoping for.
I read h=8 m=49 s=48
